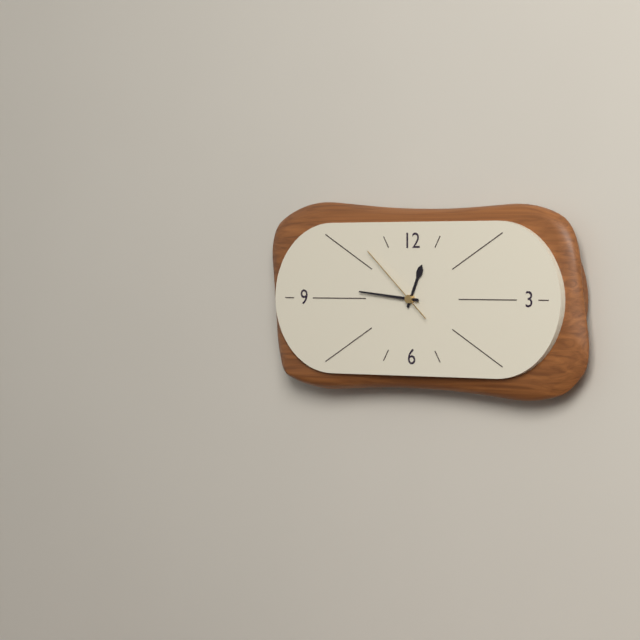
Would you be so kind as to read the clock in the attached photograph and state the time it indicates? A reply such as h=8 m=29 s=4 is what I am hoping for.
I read h=12 m=46 s=52
